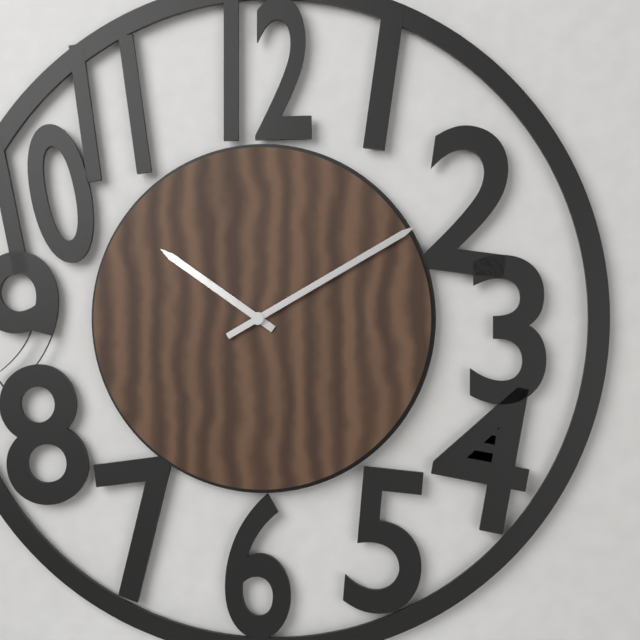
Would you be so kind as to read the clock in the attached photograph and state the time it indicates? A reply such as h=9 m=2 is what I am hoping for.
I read h=10 m=10
